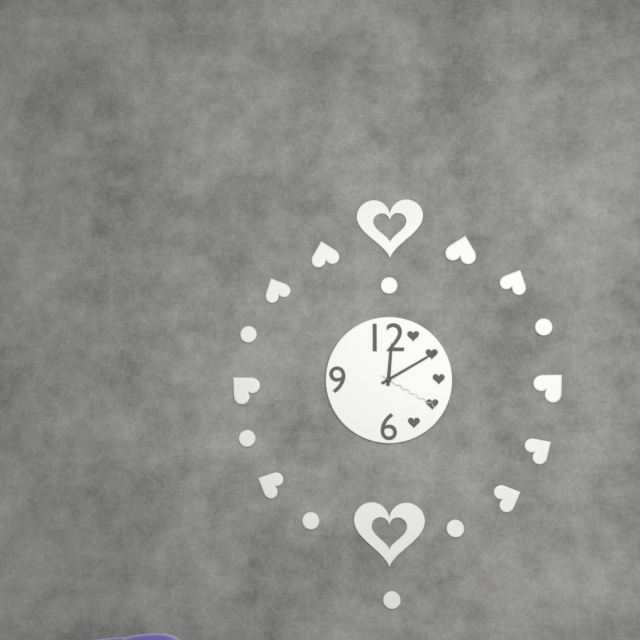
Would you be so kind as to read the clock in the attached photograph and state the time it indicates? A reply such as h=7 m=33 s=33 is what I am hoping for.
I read h=12 m=10 s=20
